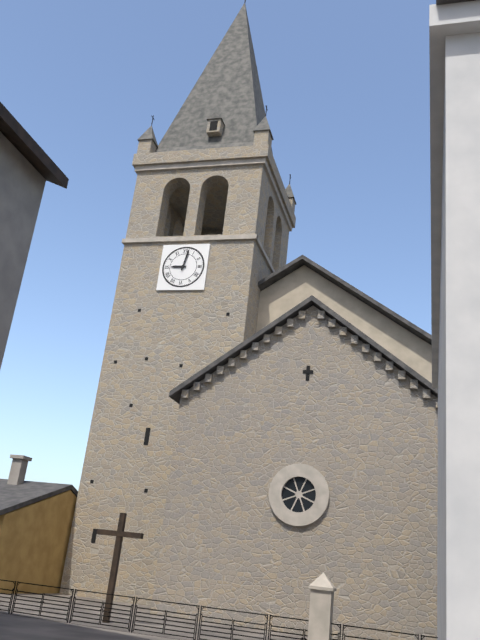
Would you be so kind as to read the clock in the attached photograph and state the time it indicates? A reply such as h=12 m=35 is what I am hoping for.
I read h=9 m=2
